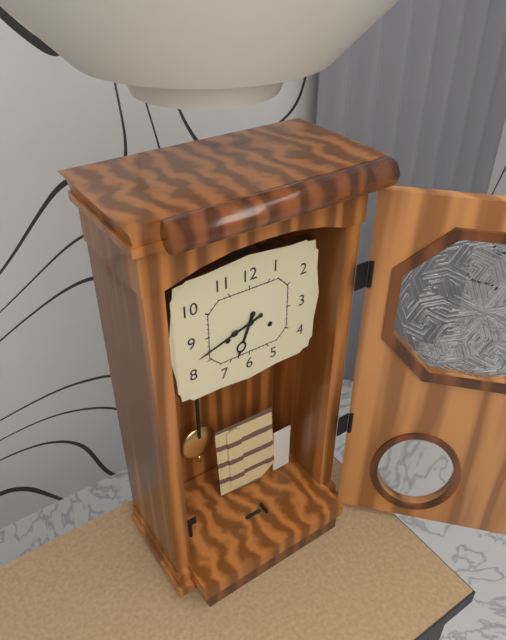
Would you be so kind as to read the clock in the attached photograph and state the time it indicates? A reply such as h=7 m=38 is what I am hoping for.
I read h=6 m=42
